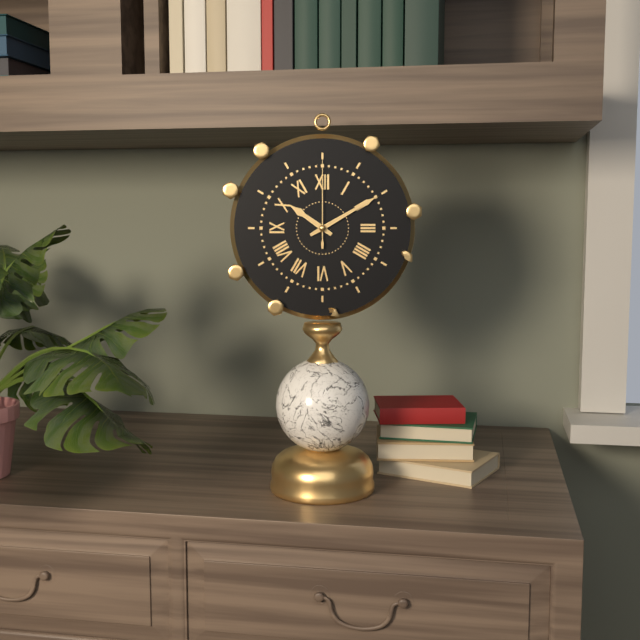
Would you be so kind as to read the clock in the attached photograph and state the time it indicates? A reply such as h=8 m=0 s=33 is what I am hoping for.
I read h=10 m=10 s=0
